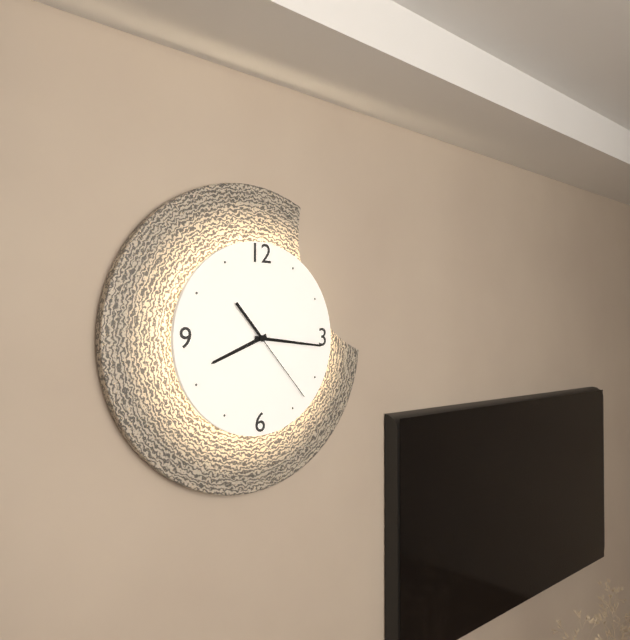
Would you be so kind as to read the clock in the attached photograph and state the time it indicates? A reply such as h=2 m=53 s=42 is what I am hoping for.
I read h=8 m=16 s=23
